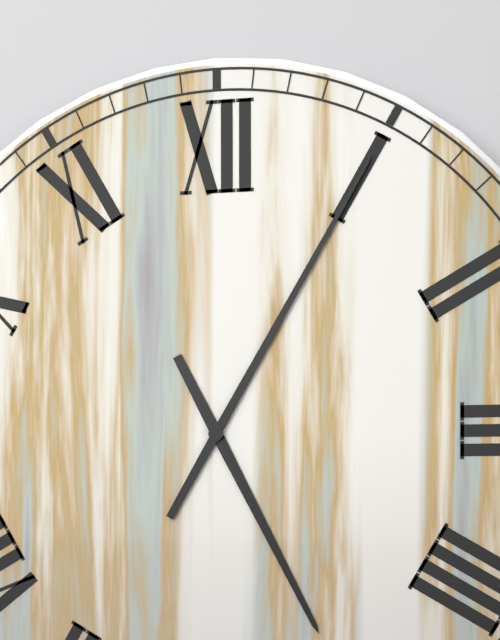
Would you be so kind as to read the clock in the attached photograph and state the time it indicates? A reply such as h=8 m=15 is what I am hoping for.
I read h=5 m=5
